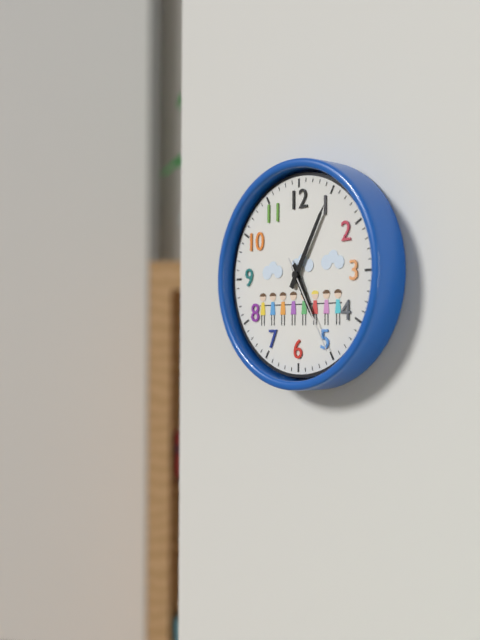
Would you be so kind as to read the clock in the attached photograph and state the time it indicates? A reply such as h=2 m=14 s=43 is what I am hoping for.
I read h=5 m=5 s=25
